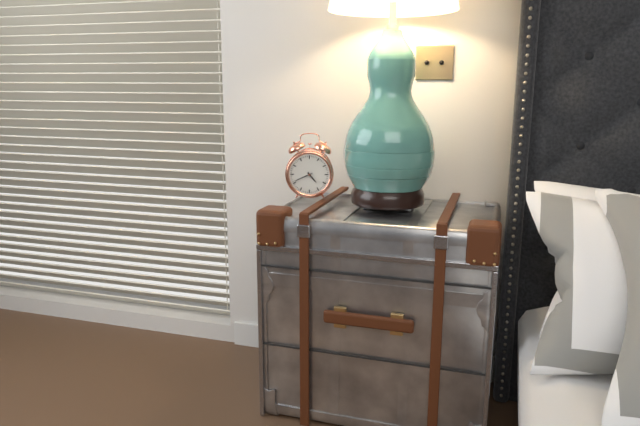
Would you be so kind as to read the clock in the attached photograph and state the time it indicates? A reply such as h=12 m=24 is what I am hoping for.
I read h=4 m=41
